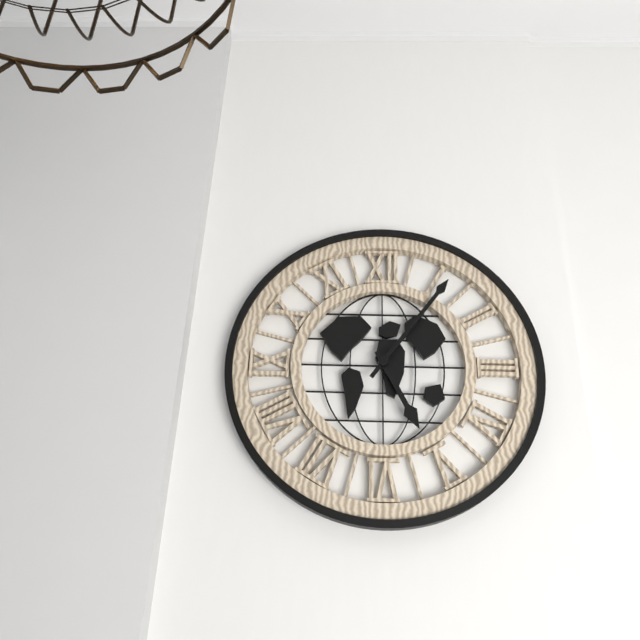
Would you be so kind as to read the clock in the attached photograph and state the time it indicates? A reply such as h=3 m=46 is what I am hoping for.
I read h=5 m=6
